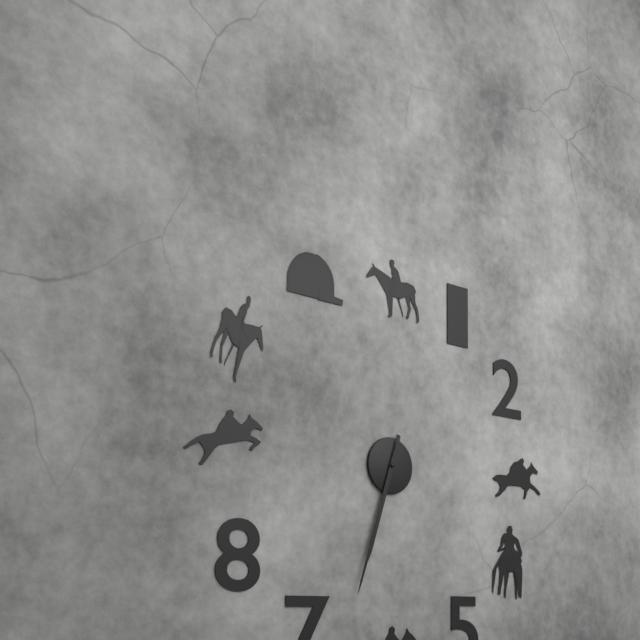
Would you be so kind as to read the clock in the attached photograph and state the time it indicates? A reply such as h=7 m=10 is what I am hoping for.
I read h=6 m=33
